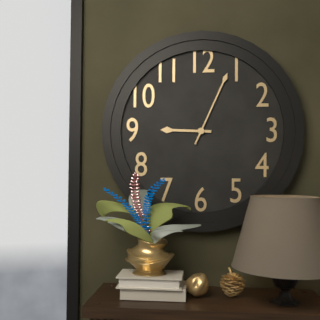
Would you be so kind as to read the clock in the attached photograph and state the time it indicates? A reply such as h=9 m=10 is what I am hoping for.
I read h=9 m=4
